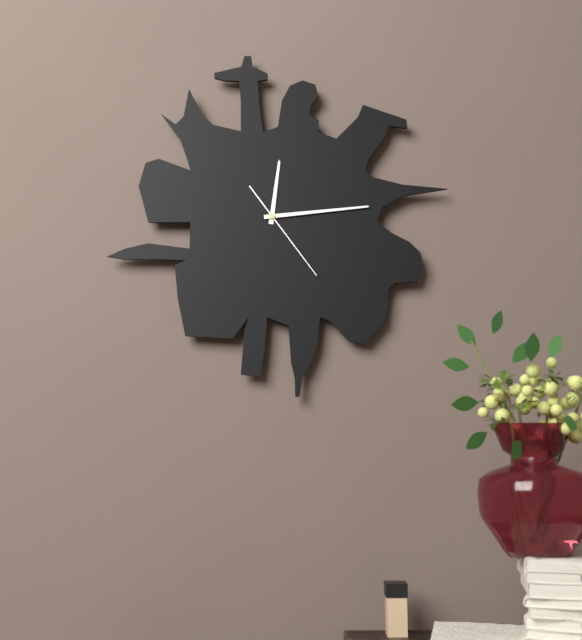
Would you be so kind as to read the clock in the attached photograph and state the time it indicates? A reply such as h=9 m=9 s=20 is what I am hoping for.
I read h=12 m=14 s=24
